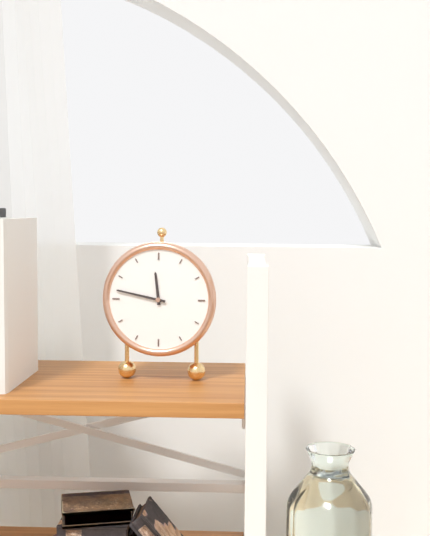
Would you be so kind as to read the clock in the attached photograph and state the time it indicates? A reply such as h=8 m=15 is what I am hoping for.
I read h=11 m=47
